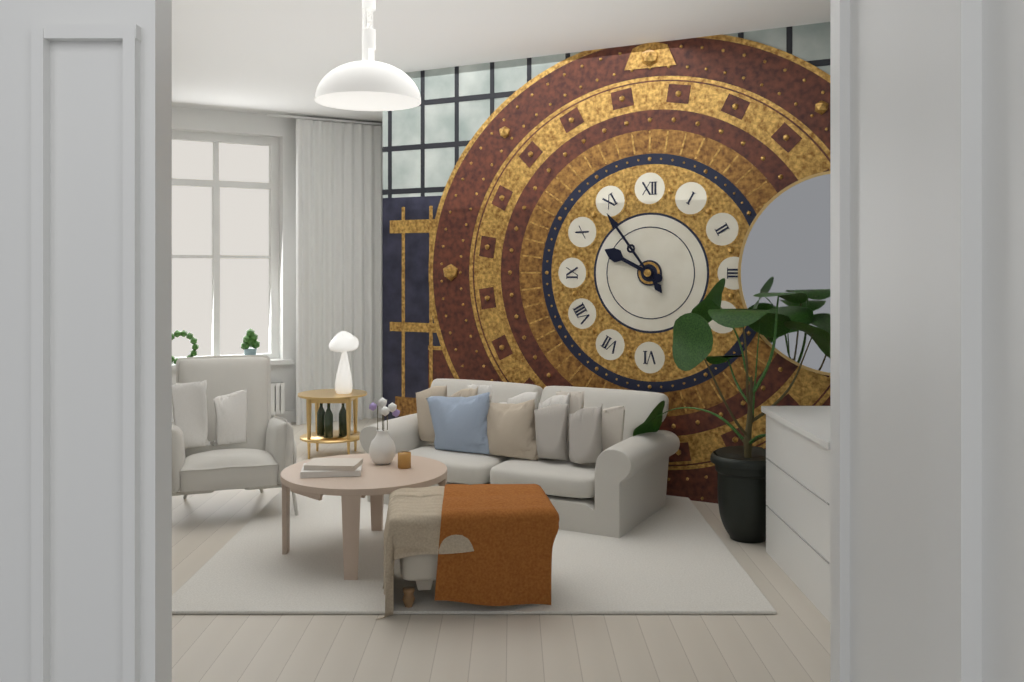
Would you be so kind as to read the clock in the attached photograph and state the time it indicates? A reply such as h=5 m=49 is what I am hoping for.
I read h=9 m=54
